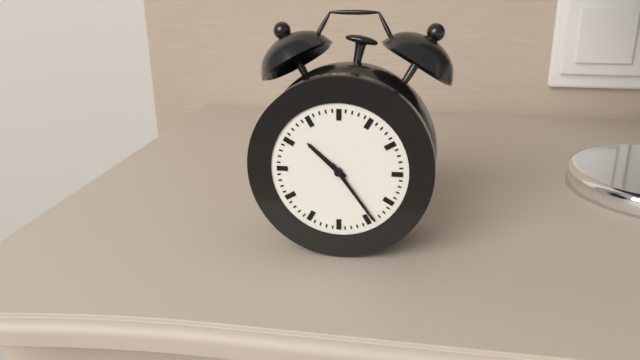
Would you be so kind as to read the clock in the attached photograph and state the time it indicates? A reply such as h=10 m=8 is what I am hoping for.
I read h=10 m=24
